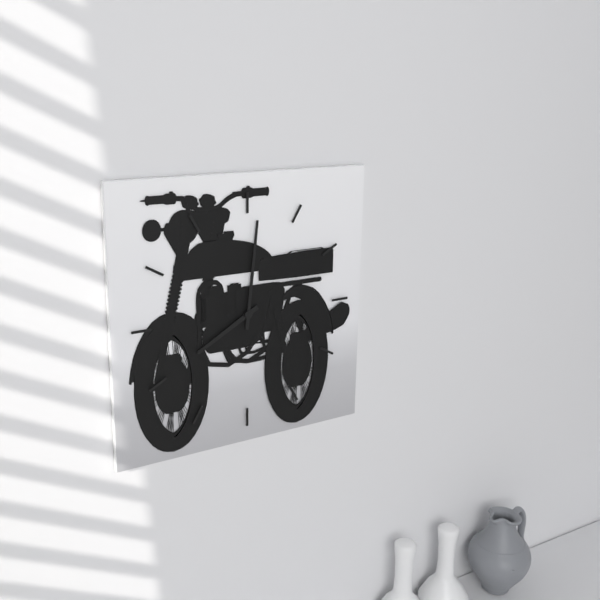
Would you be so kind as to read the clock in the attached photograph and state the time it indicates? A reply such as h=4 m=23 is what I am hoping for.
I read h=8 m=1
